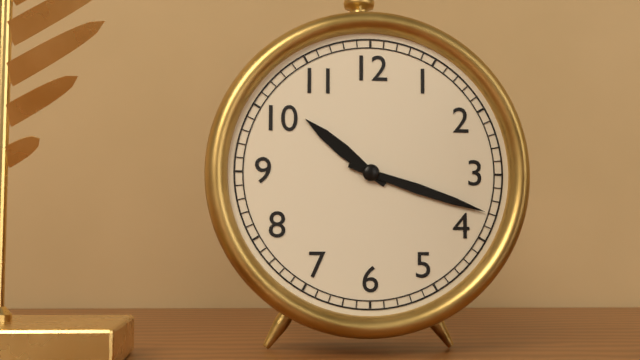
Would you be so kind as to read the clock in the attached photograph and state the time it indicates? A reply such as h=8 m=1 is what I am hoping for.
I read h=10 m=18
